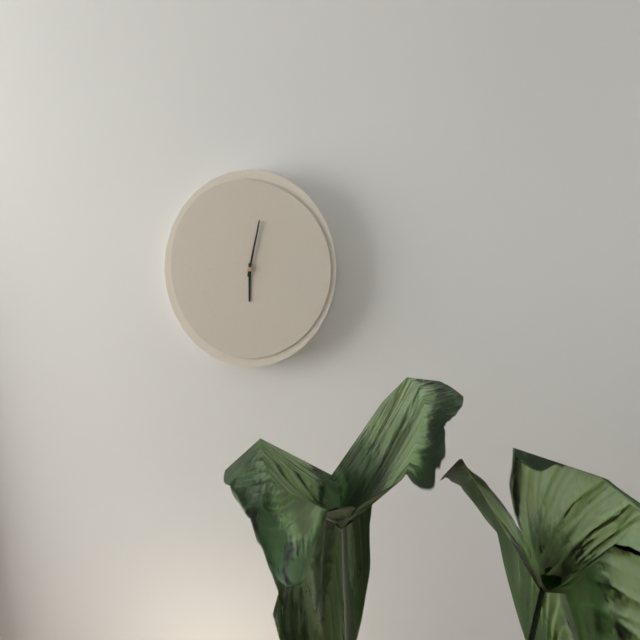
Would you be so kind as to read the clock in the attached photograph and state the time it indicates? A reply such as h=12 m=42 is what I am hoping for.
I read h=6 m=2
